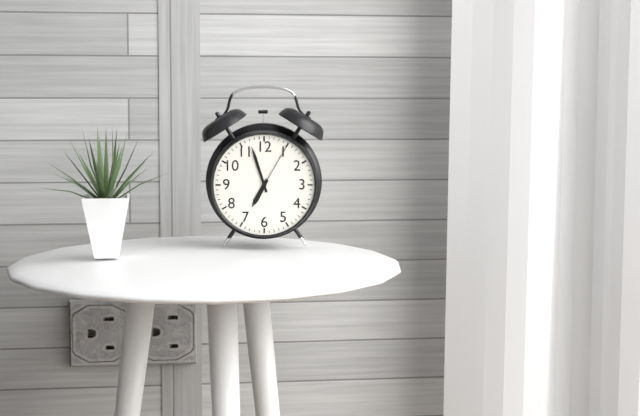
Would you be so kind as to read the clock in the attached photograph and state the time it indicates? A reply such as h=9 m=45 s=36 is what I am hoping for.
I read h=6 m=57 s=5
